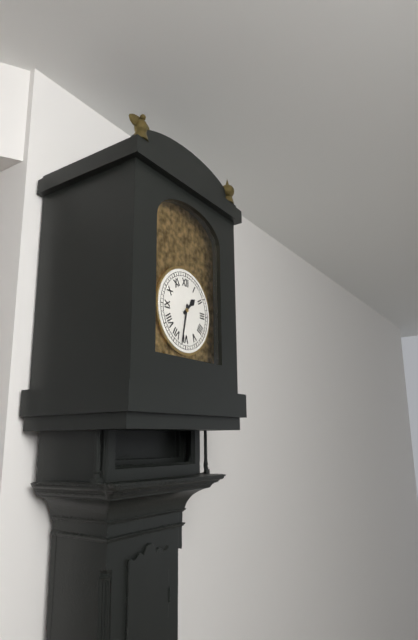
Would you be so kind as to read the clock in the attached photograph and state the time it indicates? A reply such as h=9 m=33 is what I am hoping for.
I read h=1 m=32
